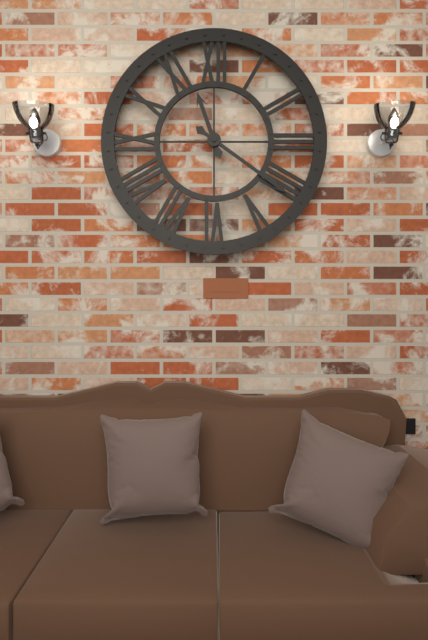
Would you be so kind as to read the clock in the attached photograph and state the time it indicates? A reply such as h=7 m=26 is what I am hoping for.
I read h=11 m=21
